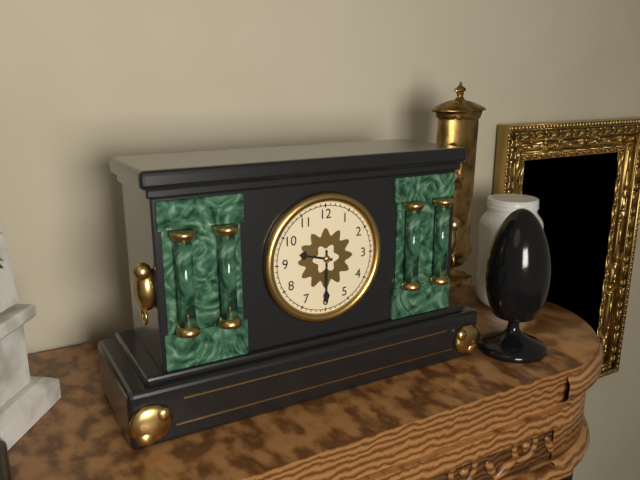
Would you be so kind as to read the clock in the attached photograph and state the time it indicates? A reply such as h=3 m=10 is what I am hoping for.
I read h=9 m=30
